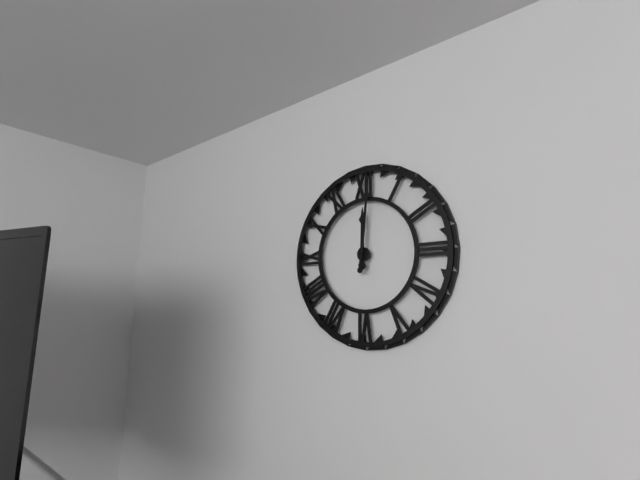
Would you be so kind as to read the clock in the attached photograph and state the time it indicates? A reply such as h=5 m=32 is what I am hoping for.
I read h=12 m=1
